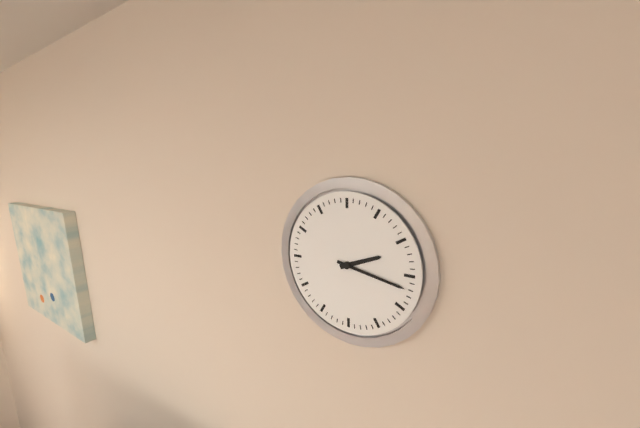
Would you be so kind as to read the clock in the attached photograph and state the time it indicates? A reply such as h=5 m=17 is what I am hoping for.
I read h=2 m=17
